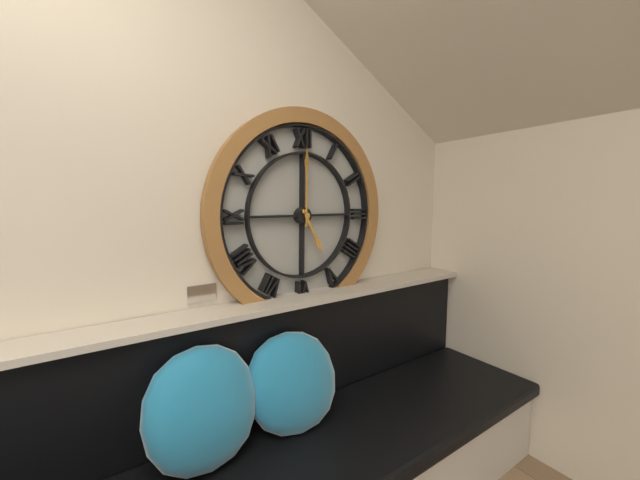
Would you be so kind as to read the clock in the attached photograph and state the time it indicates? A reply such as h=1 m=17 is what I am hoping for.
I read h=5 m=0
